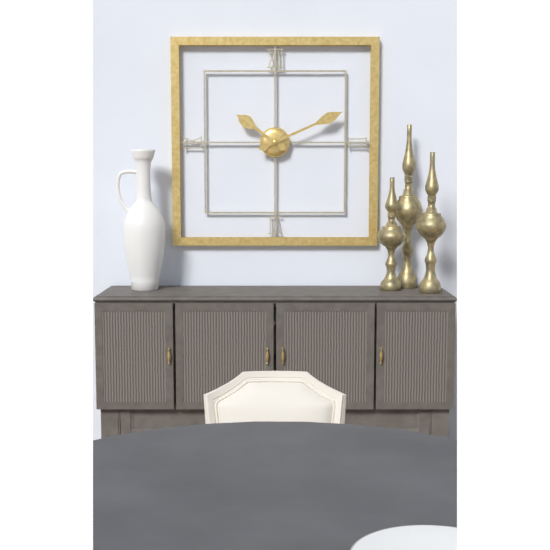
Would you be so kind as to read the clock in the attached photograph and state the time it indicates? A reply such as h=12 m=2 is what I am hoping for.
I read h=10 m=11
